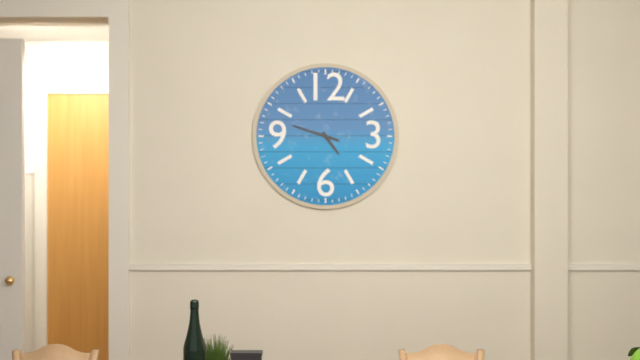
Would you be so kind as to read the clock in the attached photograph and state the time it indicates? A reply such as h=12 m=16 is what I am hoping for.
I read h=4 m=48
